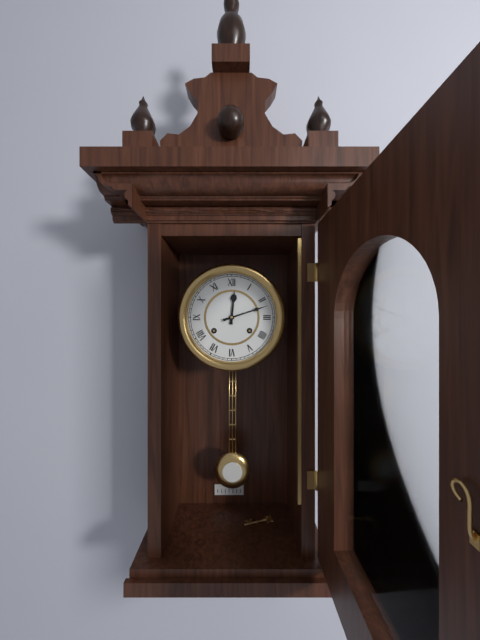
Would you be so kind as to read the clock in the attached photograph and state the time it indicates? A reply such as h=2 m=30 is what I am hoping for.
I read h=12 m=12
